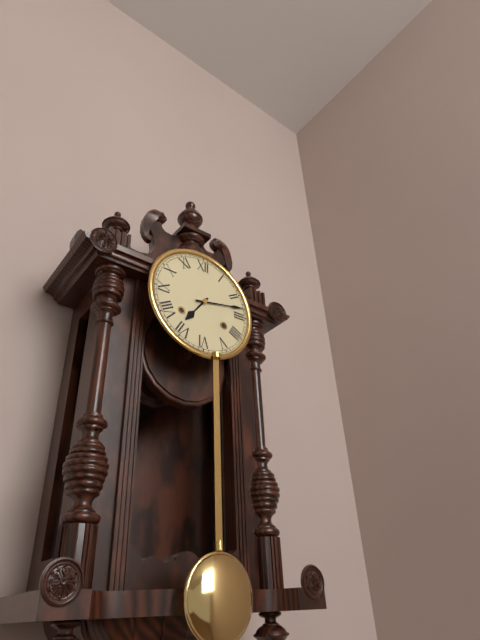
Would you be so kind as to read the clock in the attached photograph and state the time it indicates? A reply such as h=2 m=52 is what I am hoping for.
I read h=7 m=13
